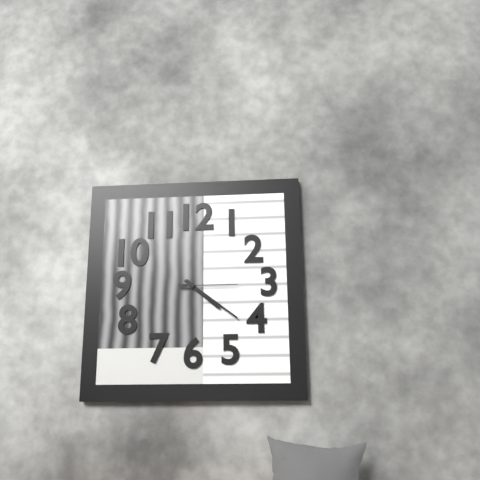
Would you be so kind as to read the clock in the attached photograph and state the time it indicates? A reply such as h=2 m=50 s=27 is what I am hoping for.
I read h=4 m=21 s=15
